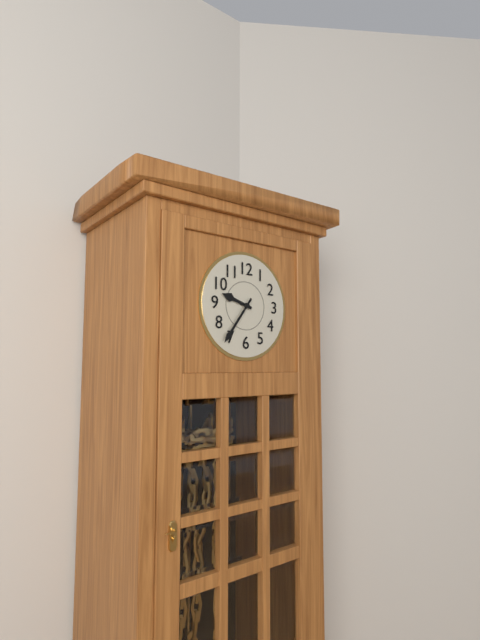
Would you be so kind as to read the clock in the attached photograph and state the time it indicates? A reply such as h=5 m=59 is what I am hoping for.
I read h=9 m=36
